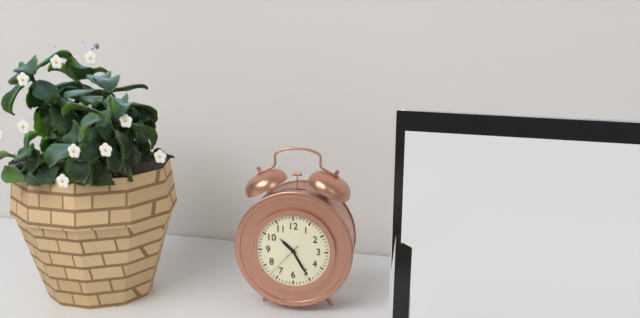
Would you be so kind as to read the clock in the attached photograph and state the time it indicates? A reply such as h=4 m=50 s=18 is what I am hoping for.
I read h=10 m=25 s=37
